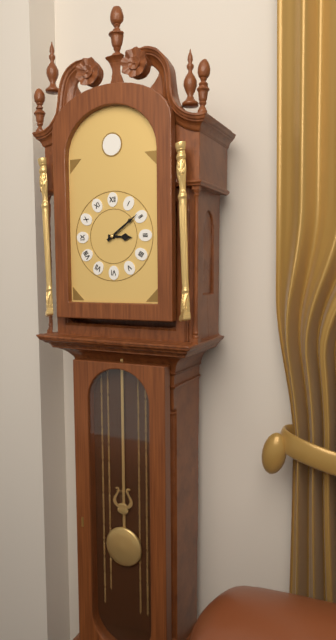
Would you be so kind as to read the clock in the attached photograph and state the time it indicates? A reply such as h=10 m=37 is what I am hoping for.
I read h=3 m=9
